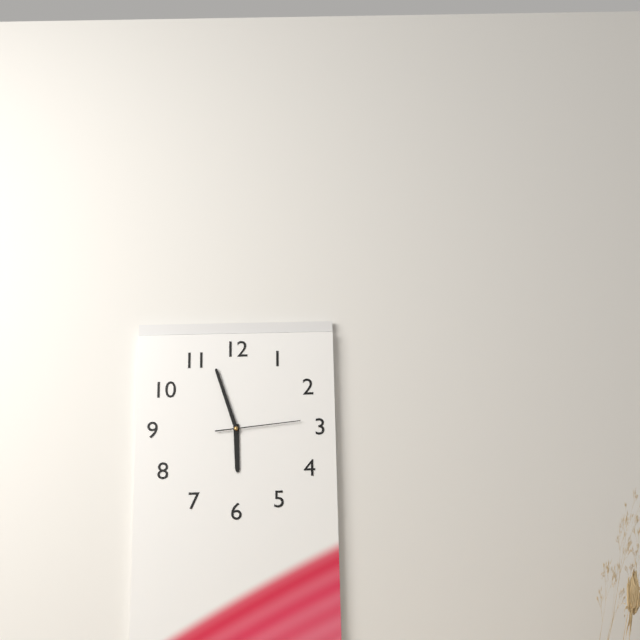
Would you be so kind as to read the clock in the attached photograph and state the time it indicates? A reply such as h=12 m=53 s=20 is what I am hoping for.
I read h=5 m=57 s=14
